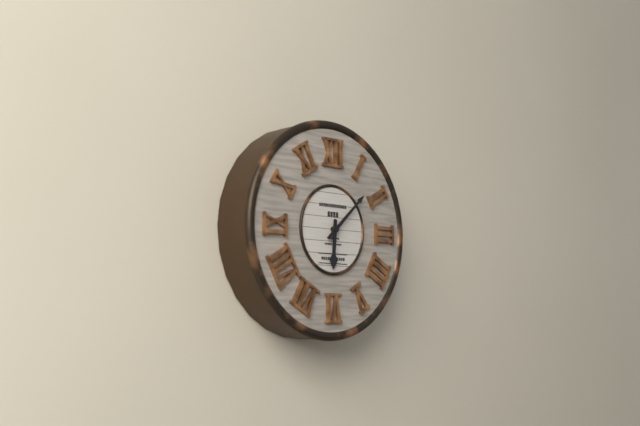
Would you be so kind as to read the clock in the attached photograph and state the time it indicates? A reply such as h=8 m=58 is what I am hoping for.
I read h=6 m=8
